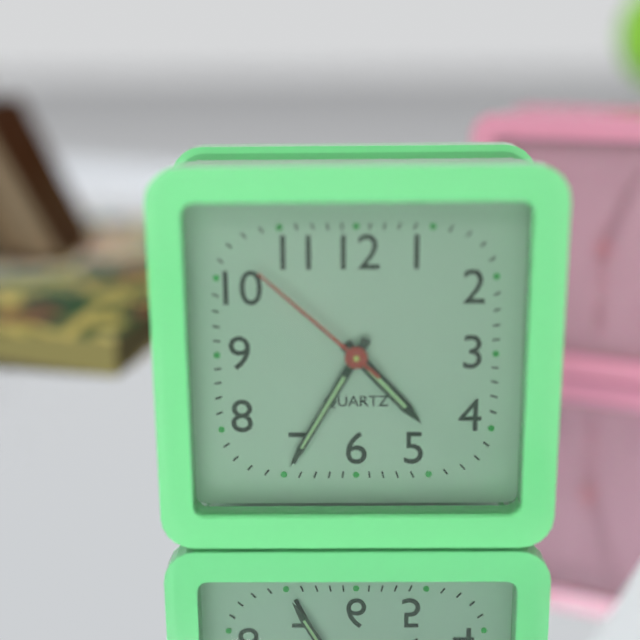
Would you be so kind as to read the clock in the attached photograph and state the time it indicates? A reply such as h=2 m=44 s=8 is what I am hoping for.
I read h=4 m=35 s=52
